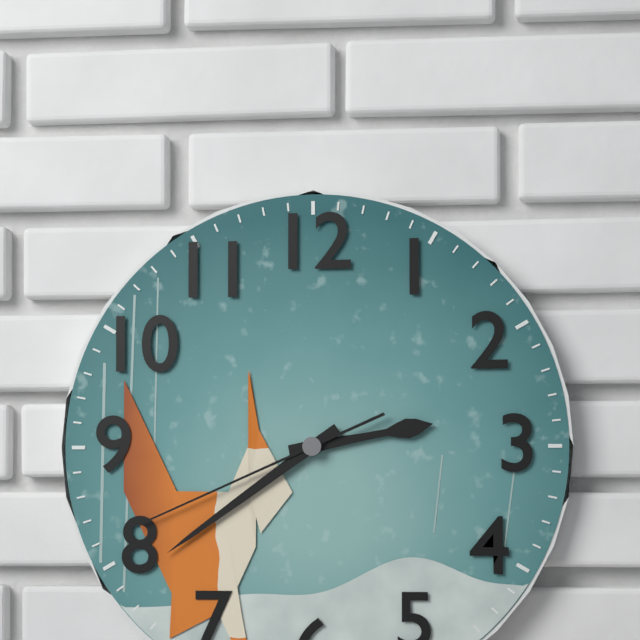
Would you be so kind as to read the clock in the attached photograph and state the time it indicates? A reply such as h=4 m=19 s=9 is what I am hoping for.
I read h=2 m=39 s=41
